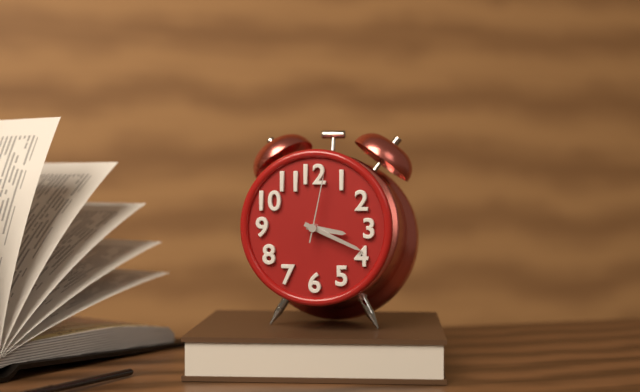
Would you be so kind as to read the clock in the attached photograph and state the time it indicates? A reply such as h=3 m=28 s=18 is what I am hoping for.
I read h=3 m=19 s=2
